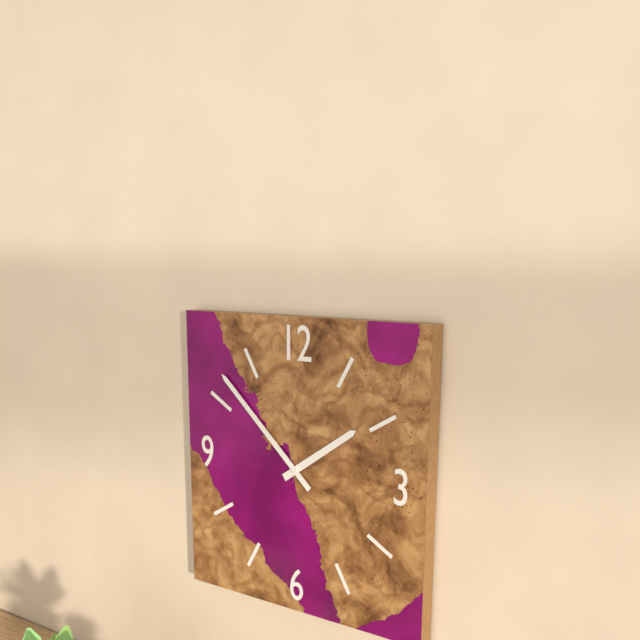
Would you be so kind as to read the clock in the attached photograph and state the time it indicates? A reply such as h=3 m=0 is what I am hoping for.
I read h=1 m=52
